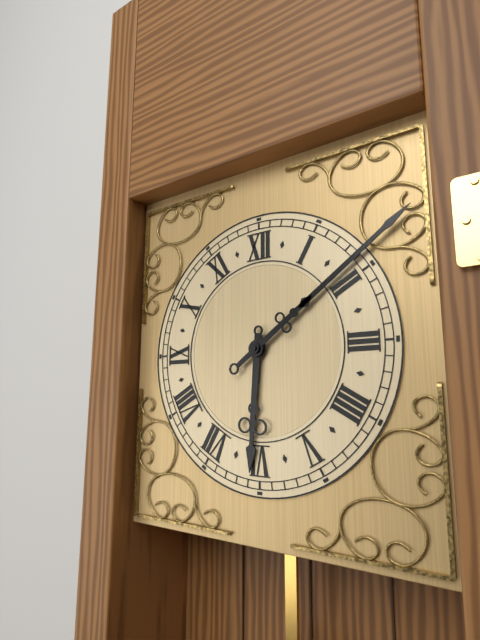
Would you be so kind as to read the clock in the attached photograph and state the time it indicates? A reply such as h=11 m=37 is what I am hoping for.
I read h=6 m=9
